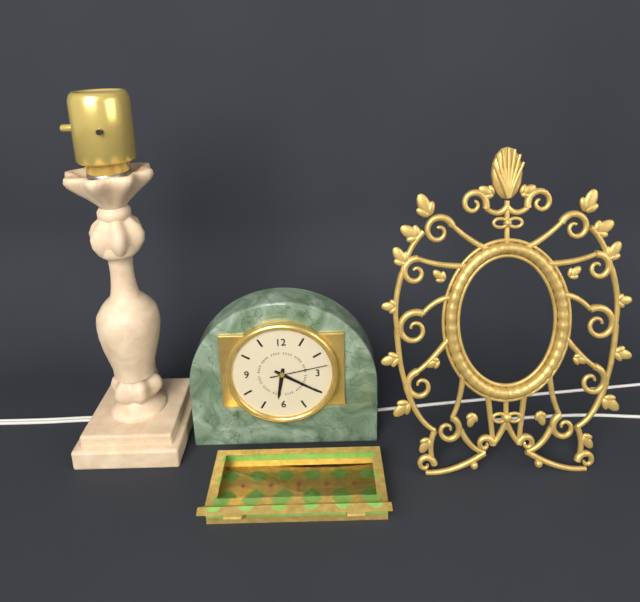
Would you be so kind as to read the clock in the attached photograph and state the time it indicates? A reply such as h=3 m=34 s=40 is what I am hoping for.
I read h=6 m=20 s=13
